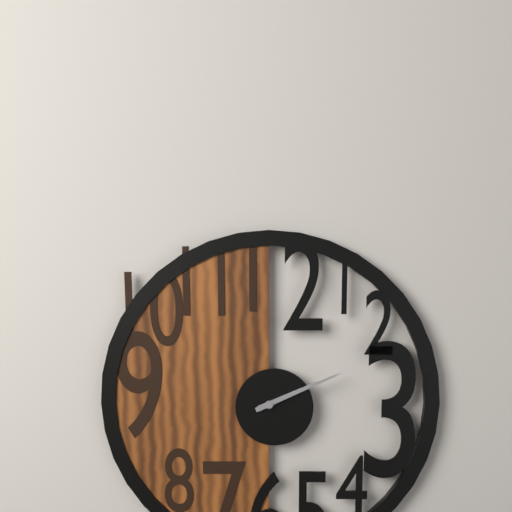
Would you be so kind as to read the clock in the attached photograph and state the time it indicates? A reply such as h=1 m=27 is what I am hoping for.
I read h=2 m=11
